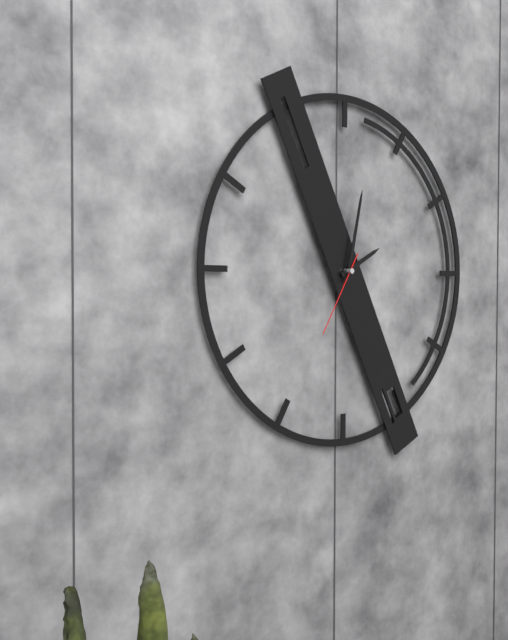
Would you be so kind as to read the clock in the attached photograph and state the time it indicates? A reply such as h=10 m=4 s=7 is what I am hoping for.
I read h=2 m=2 s=35
